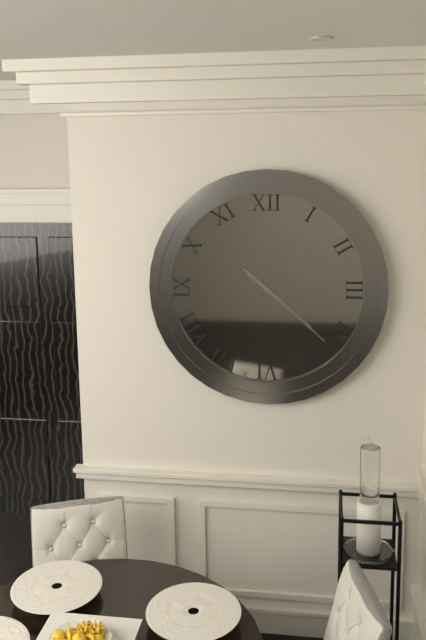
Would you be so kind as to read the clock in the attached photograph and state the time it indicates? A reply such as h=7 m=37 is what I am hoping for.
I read h=4 m=22
